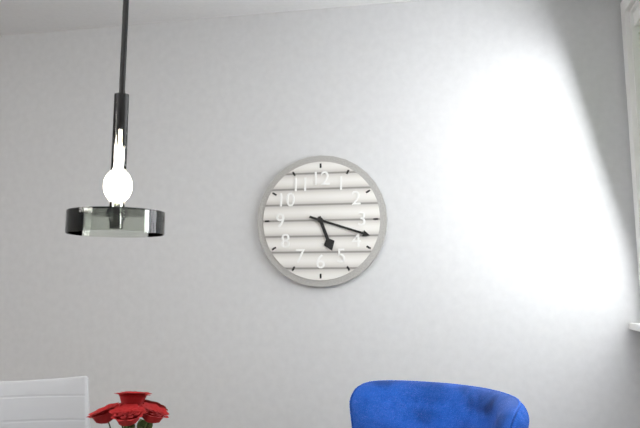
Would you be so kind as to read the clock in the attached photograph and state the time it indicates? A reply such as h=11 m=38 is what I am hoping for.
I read h=5 m=18
